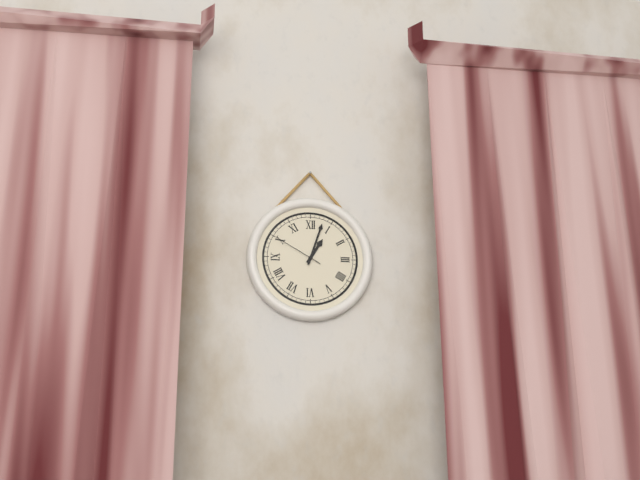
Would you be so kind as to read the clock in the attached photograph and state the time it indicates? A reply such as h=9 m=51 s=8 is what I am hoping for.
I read h=1 m=3 s=50
